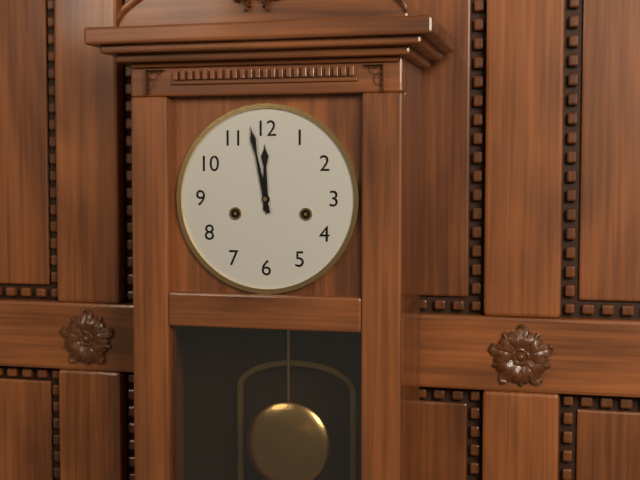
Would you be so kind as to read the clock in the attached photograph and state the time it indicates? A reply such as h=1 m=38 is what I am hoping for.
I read h=11 m=58
